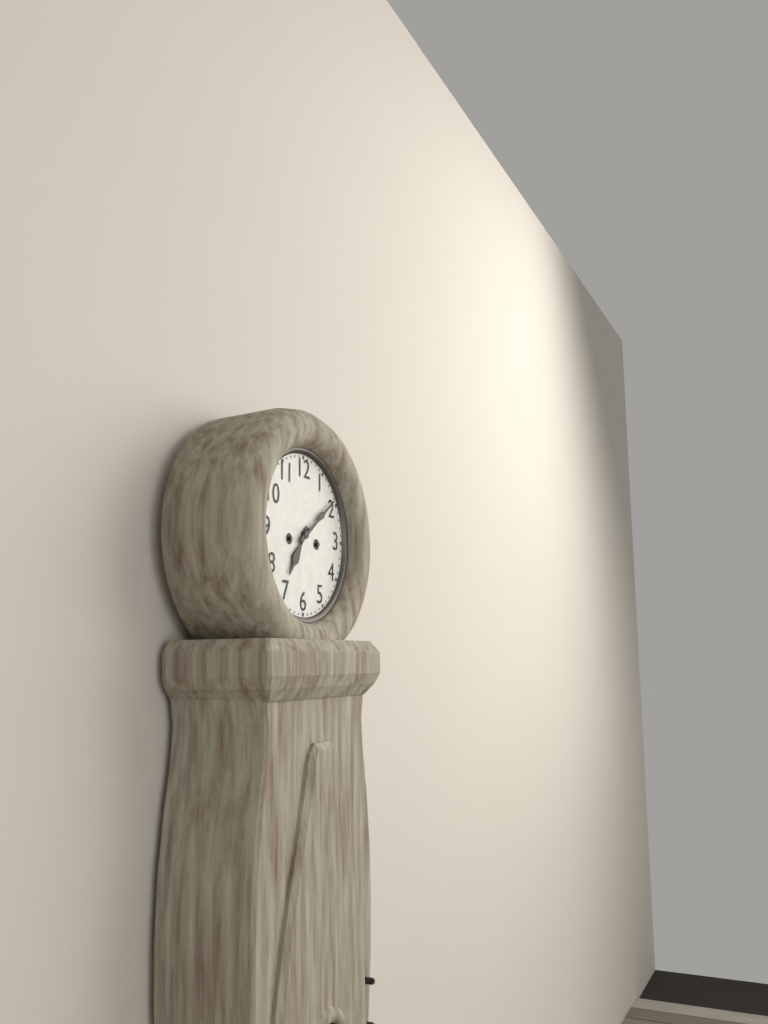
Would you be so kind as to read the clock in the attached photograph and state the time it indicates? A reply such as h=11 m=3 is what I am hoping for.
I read h=7 m=9
